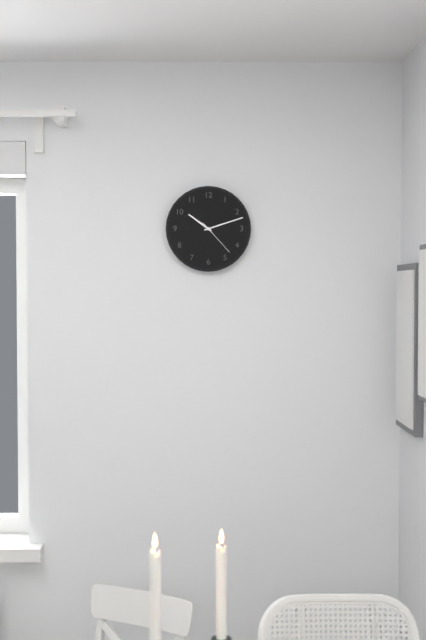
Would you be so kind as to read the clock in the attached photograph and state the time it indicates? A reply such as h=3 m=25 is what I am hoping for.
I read h=10 m=12
